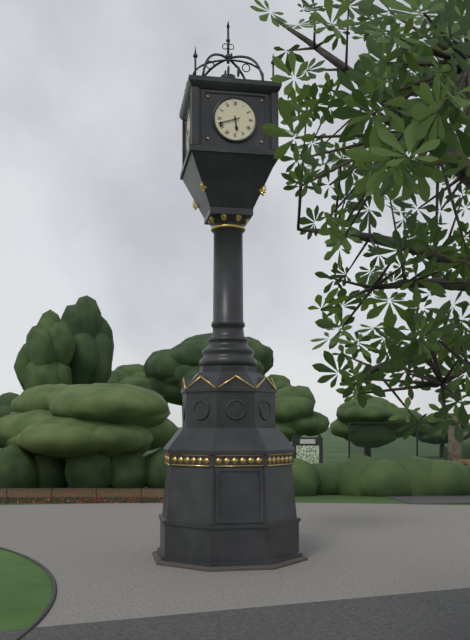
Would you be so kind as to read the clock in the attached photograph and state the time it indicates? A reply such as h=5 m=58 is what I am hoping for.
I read h=5 m=42
